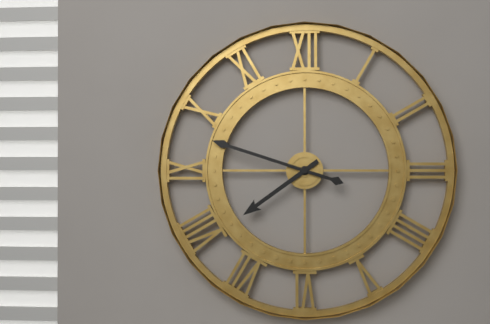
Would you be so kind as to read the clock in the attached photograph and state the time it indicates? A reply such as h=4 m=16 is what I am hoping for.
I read h=7 m=48
